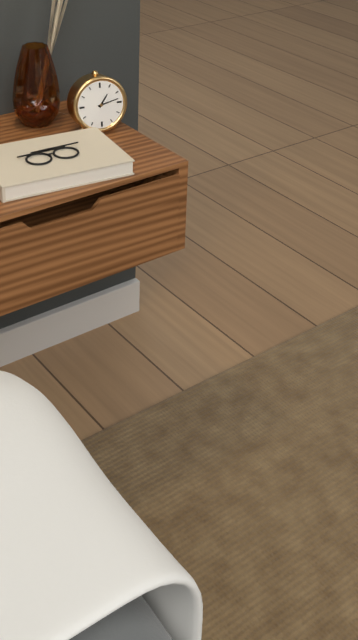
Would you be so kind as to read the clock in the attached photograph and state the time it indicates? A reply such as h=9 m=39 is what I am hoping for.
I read h=1 m=13
